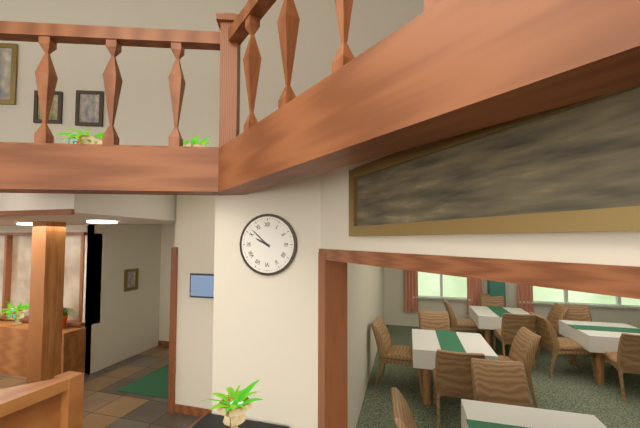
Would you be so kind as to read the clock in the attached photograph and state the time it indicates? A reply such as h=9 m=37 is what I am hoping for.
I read h=9 m=52
